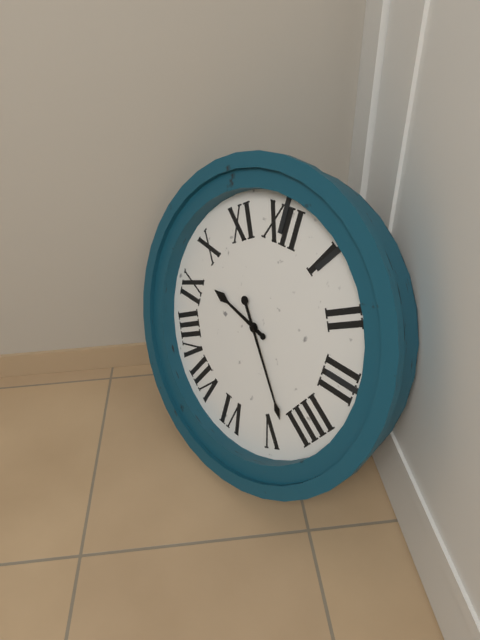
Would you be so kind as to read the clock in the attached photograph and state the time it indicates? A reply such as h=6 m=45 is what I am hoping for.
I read h=9 m=23
